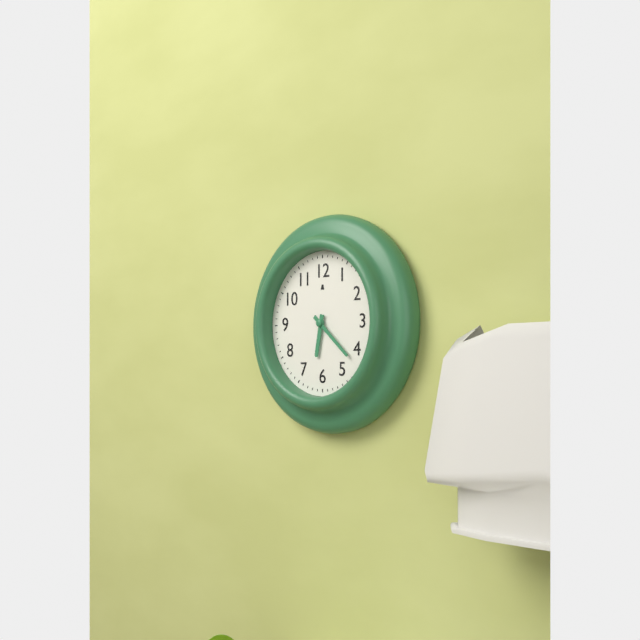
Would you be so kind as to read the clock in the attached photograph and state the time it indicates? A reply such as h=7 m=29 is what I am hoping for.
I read h=6 m=22
